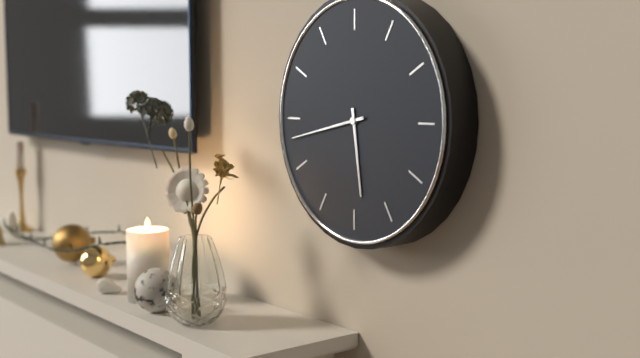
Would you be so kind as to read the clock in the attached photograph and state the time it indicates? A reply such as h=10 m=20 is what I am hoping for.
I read h=5 m=43
